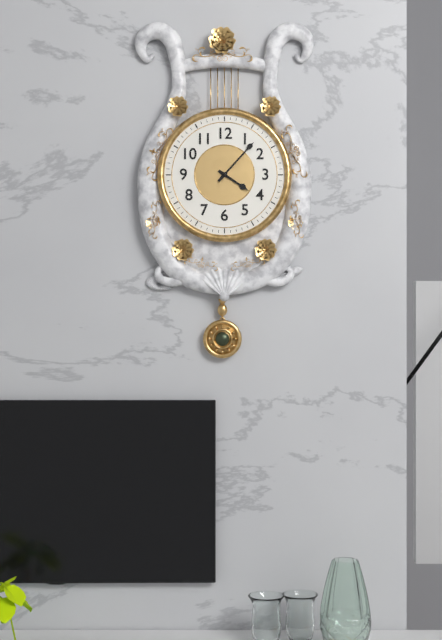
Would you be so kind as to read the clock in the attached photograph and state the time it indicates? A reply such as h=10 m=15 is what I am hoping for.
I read h=4 m=7
